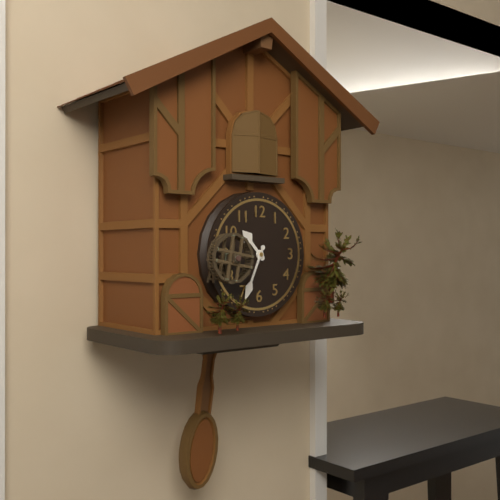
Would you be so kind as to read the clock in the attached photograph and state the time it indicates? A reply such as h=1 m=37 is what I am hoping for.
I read h=10 m=34
